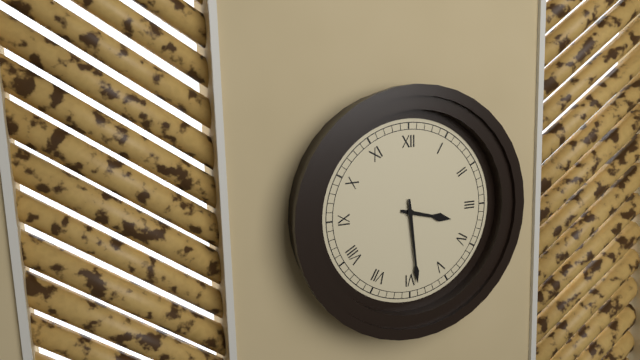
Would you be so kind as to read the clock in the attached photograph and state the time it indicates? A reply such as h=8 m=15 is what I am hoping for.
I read h=3 m=29
